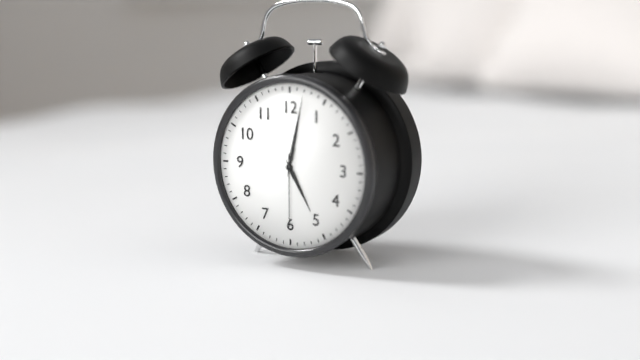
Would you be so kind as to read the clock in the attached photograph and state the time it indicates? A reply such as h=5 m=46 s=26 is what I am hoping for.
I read h=5 m=2 s=30
